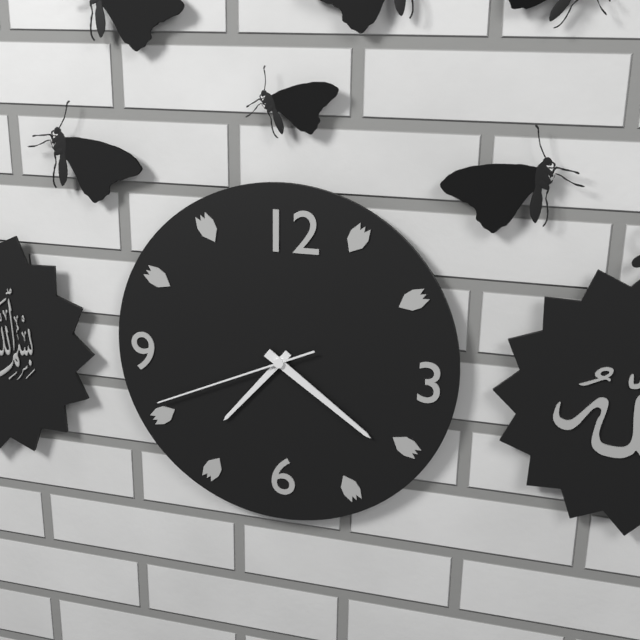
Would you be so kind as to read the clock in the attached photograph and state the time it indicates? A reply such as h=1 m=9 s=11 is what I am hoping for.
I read h=7 m=21 s=41
